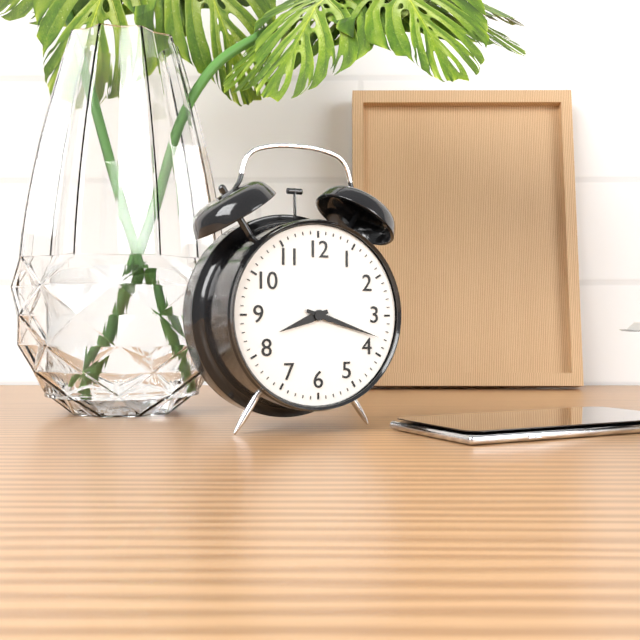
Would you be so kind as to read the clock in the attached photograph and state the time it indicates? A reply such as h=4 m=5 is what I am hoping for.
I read h=8 m=18
